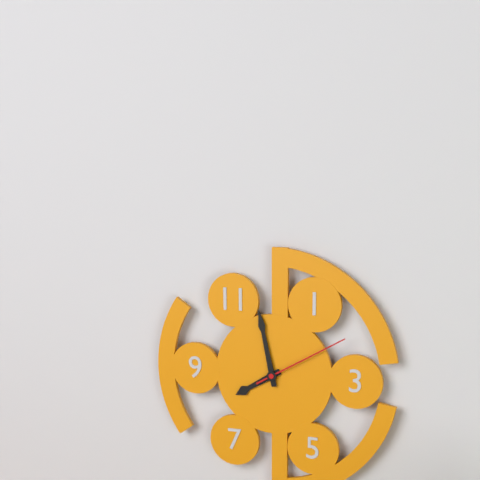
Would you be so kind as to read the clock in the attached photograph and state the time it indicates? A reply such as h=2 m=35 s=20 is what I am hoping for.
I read h=7 m=58 s=10
